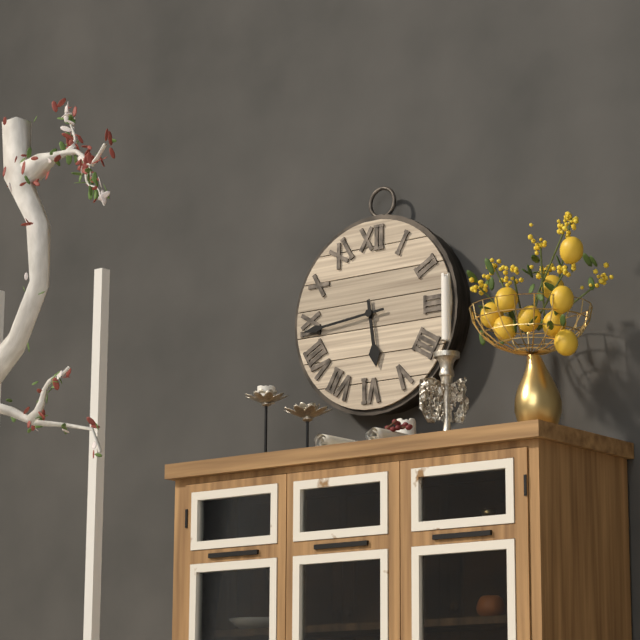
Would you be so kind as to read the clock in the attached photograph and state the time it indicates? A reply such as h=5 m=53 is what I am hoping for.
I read h=5 m=44
